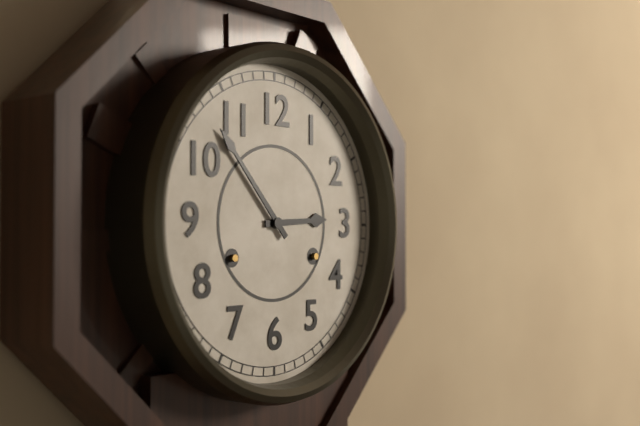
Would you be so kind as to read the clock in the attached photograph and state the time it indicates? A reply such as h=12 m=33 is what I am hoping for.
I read h=2 m=53
